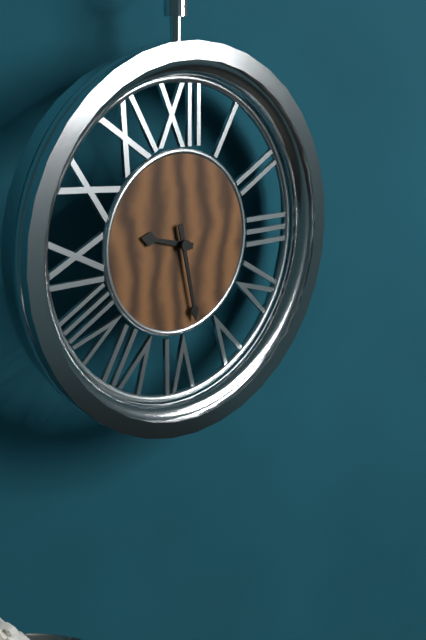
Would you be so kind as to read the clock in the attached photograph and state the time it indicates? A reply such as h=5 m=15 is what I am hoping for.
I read h=9 m=28
